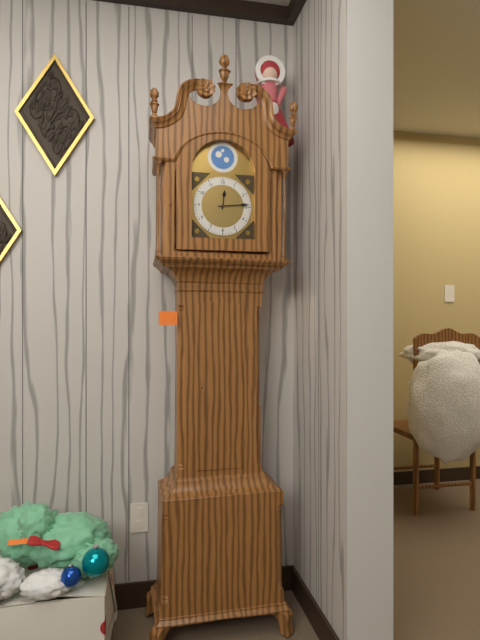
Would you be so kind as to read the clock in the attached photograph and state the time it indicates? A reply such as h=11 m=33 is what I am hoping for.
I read h=12 m=14
